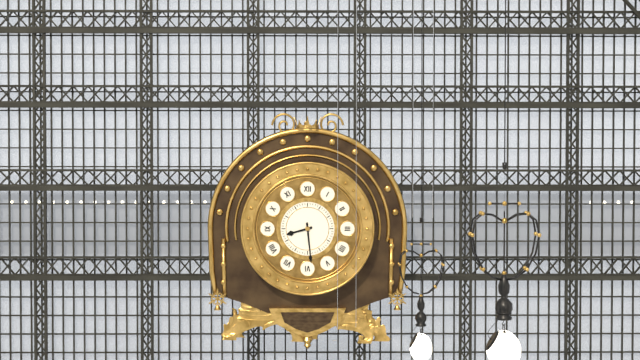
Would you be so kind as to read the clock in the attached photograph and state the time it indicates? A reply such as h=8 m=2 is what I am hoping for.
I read h=8 m=29
